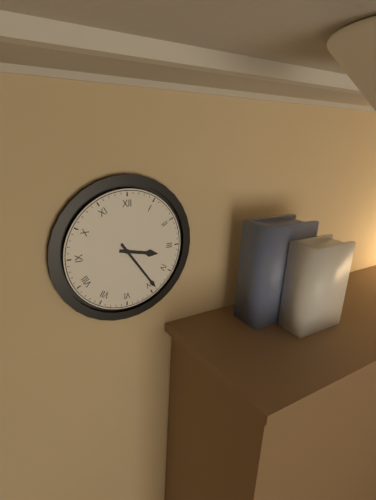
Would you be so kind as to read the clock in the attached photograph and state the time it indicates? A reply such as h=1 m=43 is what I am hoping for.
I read h=3 m=24
